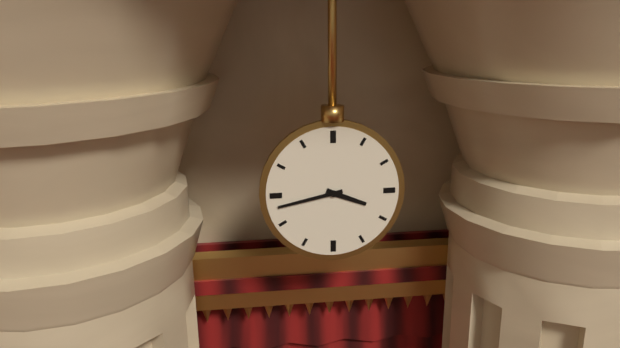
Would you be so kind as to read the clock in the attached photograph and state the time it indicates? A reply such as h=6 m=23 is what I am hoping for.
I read h=3 m=43
